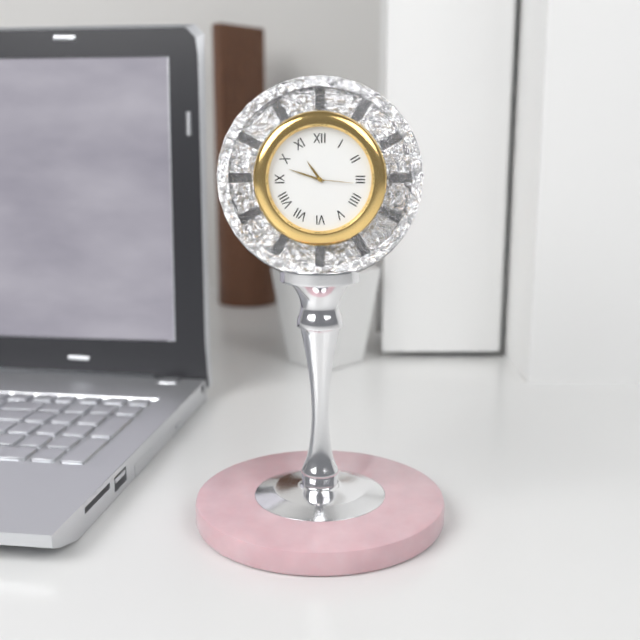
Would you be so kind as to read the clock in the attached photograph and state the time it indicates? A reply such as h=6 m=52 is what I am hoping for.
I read h=10 m=48
